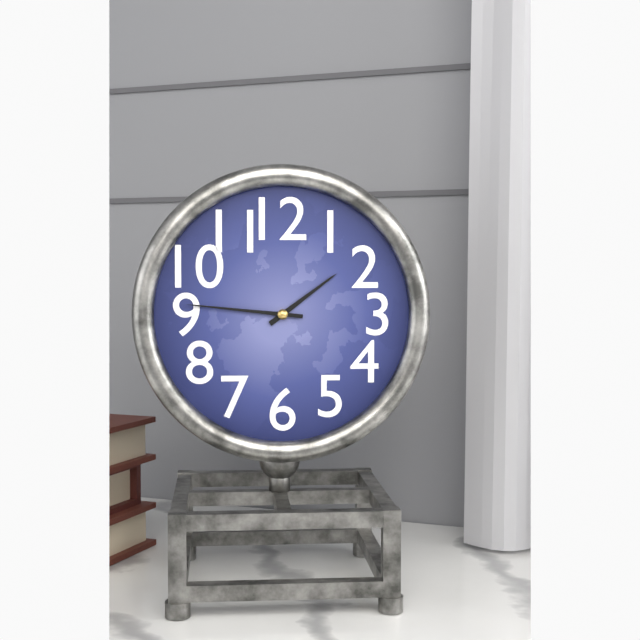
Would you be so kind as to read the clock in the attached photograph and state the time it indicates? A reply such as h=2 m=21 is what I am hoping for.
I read h=1 m=46
